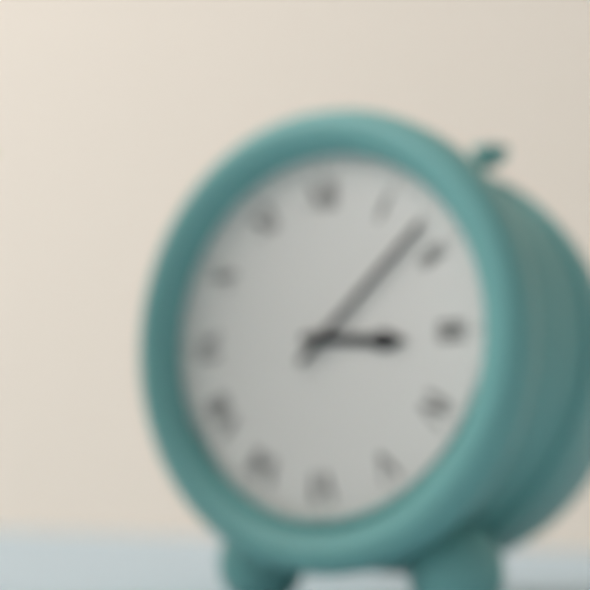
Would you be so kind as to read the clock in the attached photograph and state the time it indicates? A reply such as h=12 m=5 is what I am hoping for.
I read h=3 m=8
